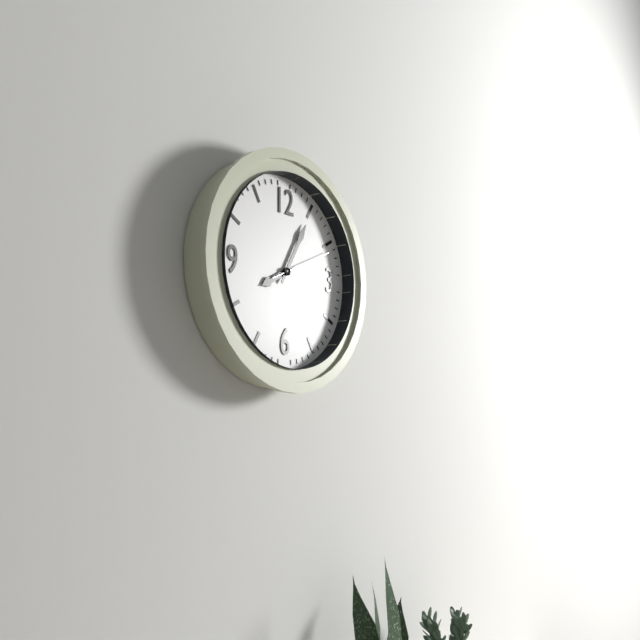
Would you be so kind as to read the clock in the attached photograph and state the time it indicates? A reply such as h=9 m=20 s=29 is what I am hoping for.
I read h=8 m=5 s=11
